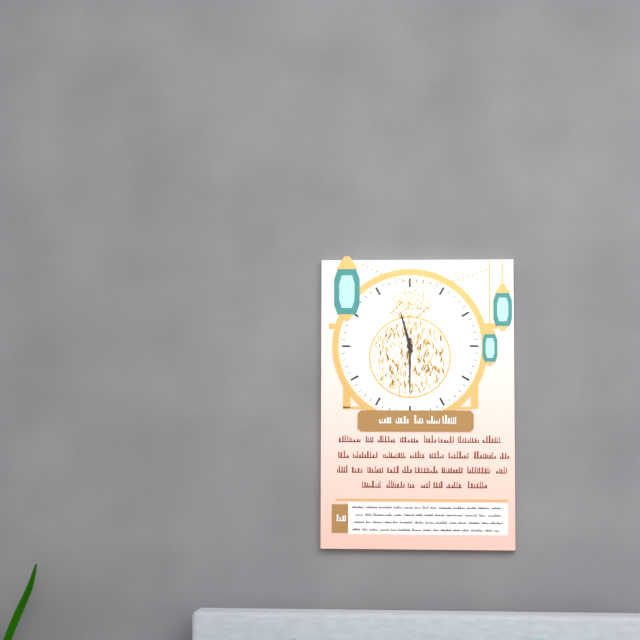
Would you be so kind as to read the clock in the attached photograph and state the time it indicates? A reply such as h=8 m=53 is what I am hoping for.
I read h=11 m=30
